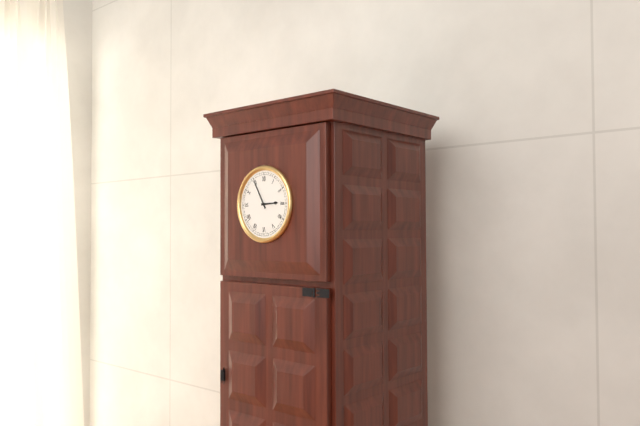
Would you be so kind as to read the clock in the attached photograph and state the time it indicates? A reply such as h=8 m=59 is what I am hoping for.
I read h=2 m=55
